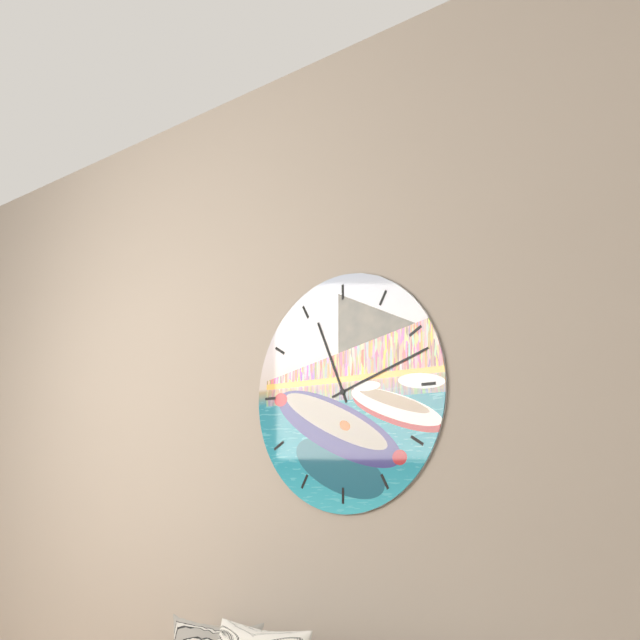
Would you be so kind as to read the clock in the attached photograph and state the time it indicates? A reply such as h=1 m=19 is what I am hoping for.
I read h=11 m=12
